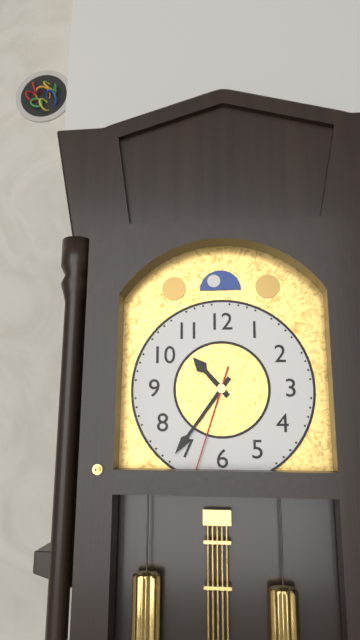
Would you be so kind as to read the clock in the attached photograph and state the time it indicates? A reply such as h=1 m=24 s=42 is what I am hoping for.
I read h=10 m=36 s=33
